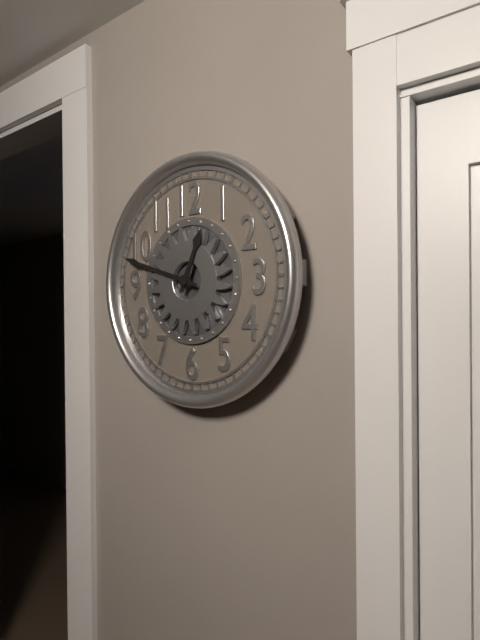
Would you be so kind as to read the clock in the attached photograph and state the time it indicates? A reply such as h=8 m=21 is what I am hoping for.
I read h=12 m=48
